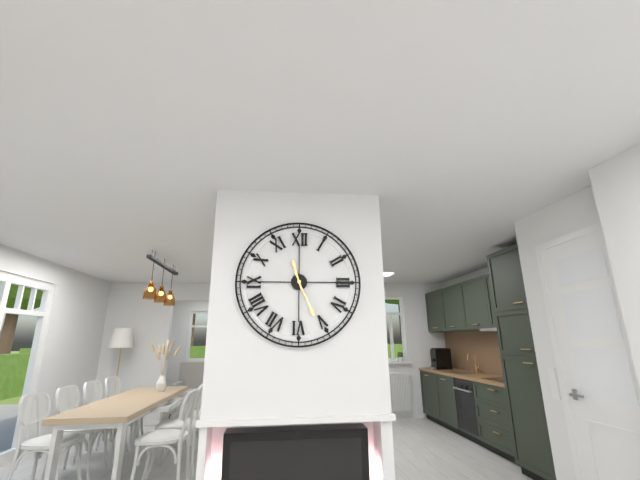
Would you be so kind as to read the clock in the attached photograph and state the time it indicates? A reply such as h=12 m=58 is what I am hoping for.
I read h=11 m=26
